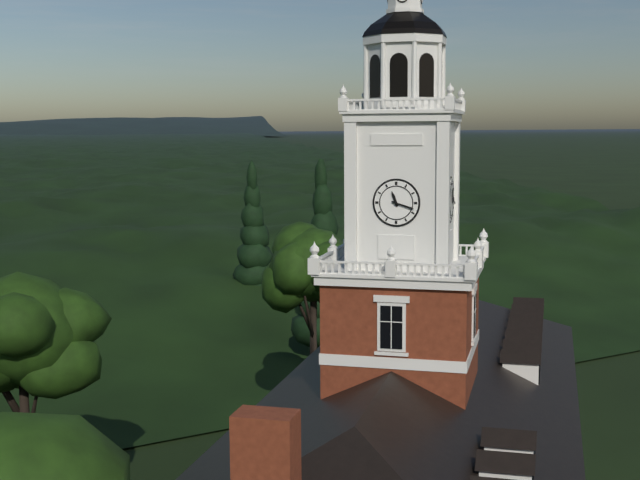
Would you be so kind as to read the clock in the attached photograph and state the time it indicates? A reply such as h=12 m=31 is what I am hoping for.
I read h=11 m=18
